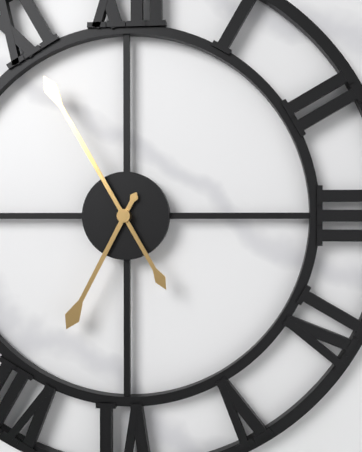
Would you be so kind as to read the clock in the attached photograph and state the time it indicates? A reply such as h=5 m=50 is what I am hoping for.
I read h=6 m=55
